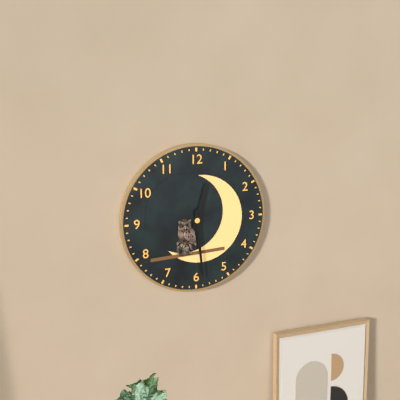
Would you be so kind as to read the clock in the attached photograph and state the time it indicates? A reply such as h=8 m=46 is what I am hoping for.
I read h=12 m=29
